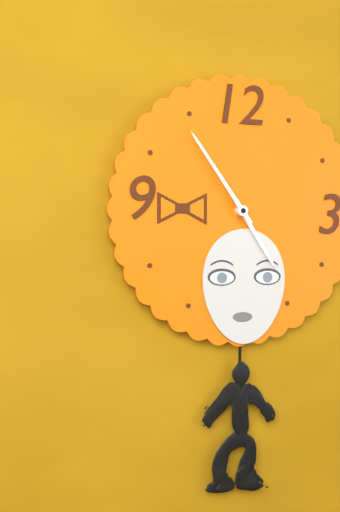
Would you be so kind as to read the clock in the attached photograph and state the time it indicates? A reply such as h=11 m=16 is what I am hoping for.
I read h=4 m=54
